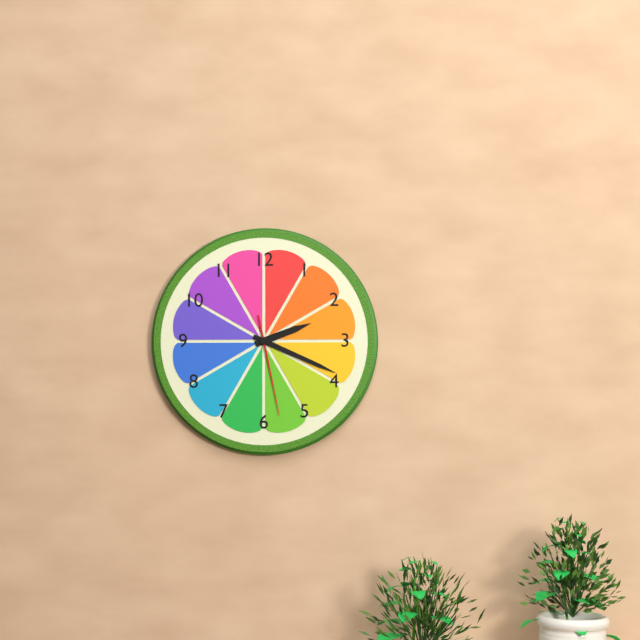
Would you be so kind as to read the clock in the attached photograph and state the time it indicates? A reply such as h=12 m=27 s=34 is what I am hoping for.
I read h=2 m=19 s=28
